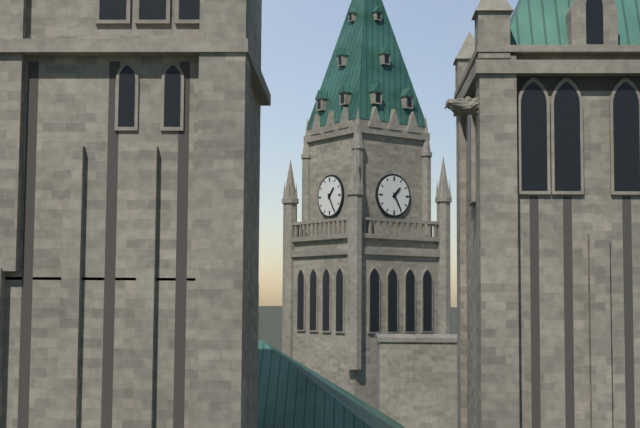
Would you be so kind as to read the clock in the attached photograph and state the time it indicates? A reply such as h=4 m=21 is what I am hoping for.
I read h=1 m=25
